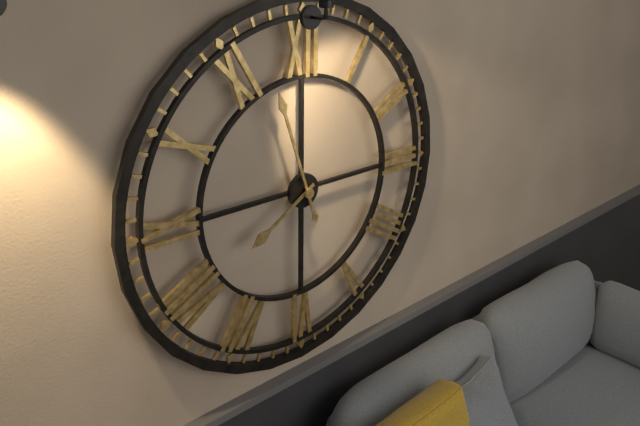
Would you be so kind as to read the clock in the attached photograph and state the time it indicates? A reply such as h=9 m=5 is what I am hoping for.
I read h=7 m=57
